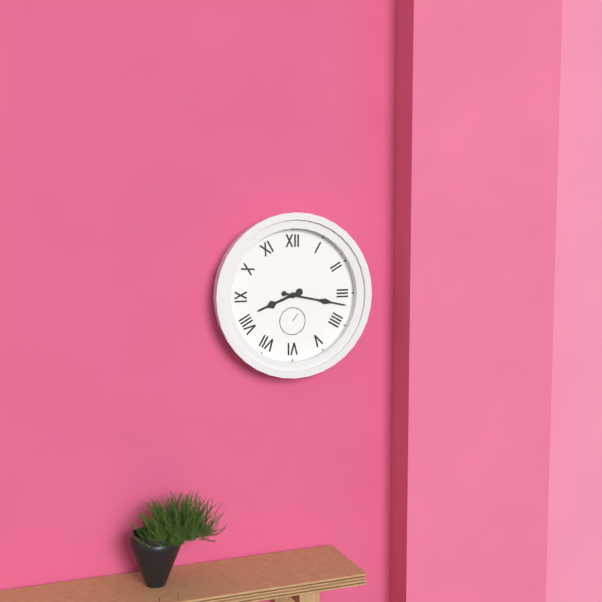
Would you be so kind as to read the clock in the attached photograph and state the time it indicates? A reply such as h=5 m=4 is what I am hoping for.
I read h=8 m=17
